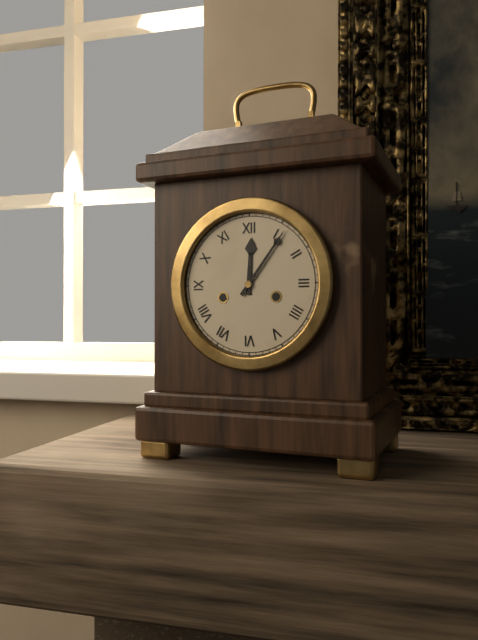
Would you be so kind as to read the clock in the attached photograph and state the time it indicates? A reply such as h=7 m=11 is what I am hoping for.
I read h=12 m=6
